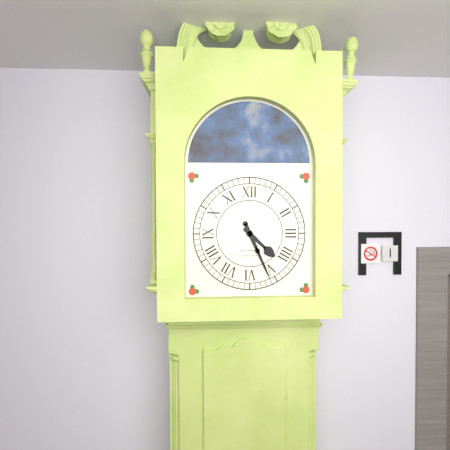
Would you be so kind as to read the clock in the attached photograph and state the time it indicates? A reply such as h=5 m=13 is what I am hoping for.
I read h=4 m=26
